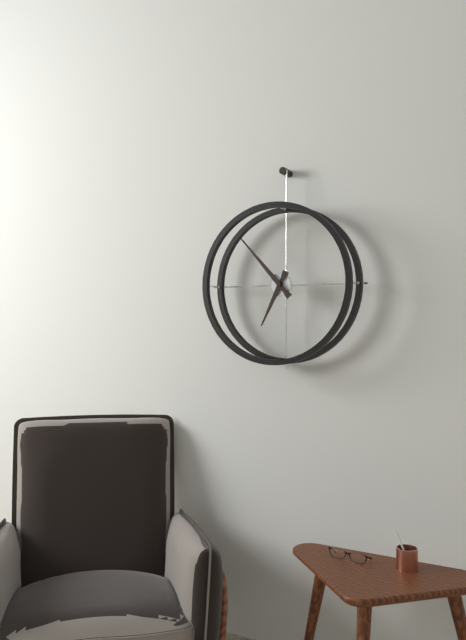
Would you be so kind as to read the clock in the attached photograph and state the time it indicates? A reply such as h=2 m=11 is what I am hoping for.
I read h=6 m=53
